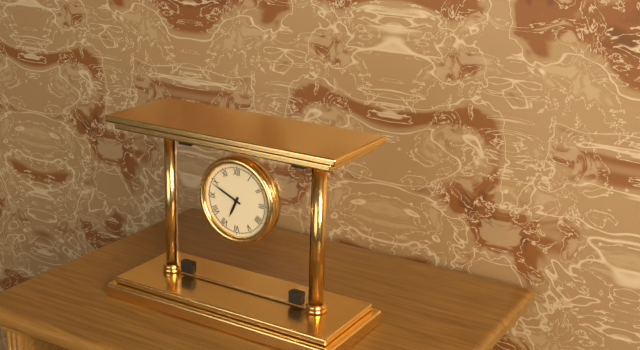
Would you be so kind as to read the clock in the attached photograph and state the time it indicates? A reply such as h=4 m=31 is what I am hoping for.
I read h=6 m=49
